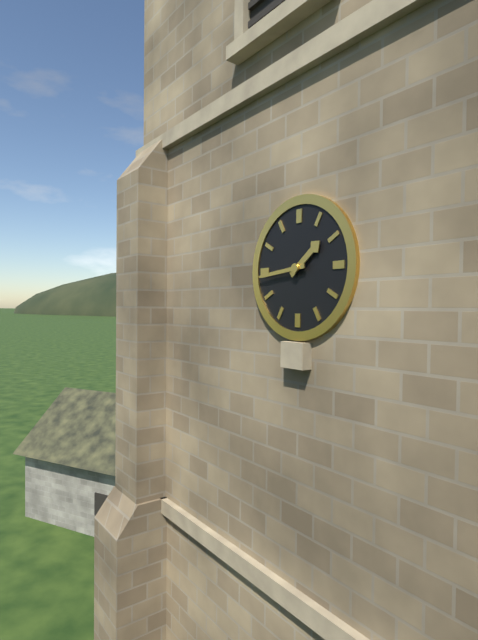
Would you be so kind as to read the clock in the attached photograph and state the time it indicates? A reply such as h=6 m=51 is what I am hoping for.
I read h=1 m=44
